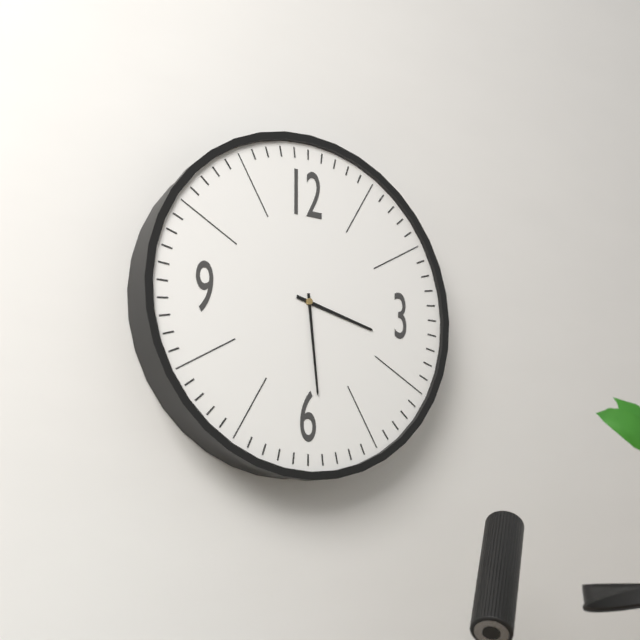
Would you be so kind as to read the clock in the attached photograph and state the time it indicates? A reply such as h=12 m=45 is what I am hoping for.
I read h=3 m=29
